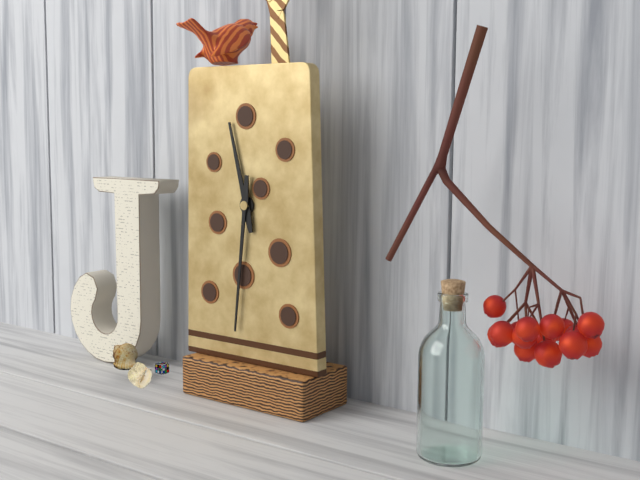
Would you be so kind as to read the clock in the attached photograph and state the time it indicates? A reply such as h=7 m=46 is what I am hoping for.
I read h=11 m=31
